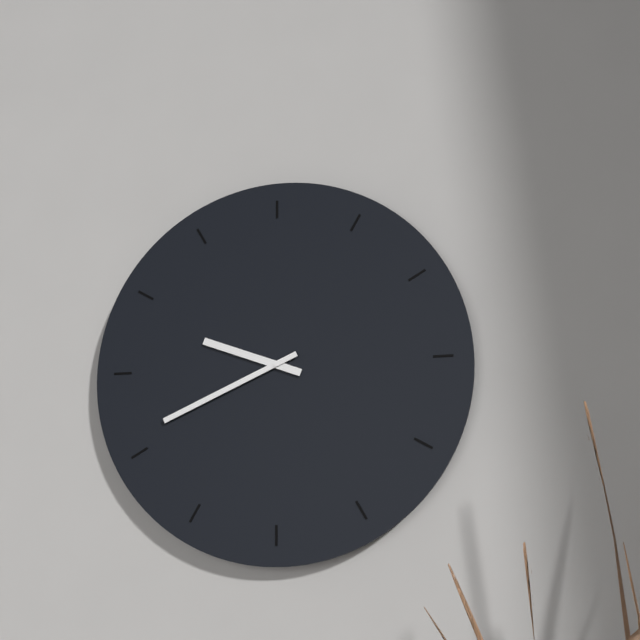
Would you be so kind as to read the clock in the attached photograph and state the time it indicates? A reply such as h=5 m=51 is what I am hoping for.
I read h=9 m=41
